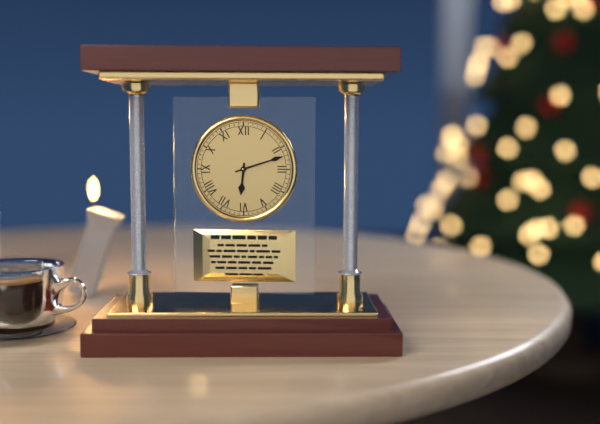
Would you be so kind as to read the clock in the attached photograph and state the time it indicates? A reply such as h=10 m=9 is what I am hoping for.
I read h=6 m=12
